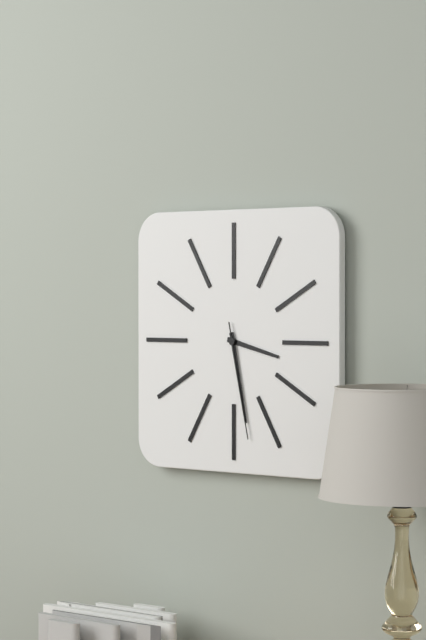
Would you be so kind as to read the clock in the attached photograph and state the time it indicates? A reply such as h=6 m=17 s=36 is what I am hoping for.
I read h=3 m=28 s=28
